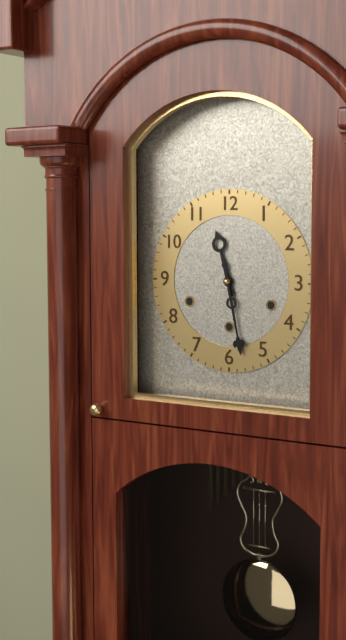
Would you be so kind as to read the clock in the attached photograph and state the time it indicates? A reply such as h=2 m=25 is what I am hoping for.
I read h=11 m=28
